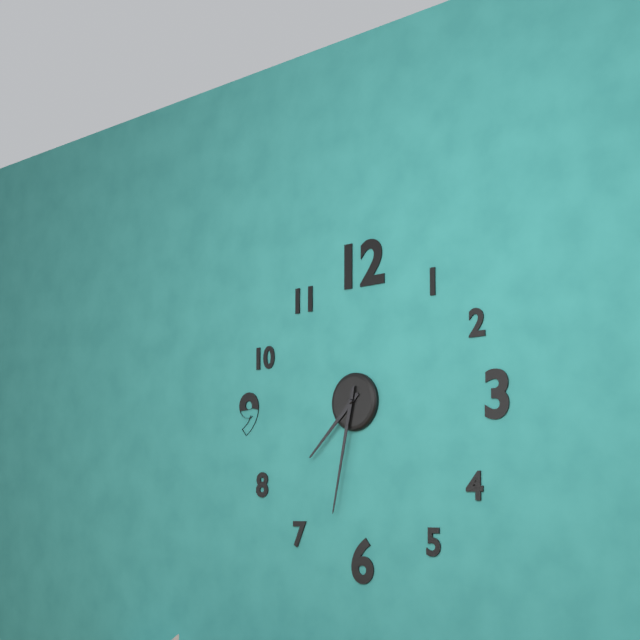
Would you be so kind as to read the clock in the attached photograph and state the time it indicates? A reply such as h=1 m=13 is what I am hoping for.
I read h=7 m=32
